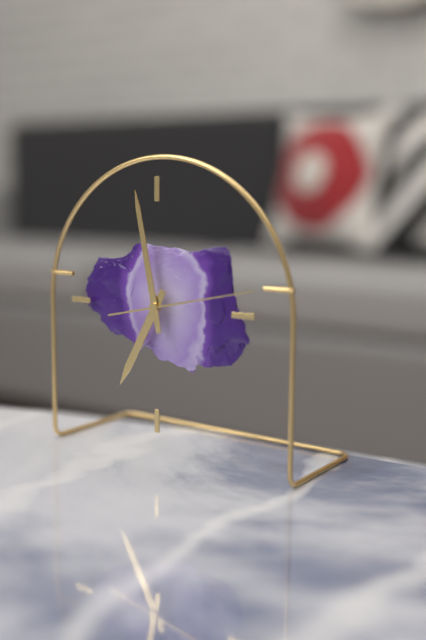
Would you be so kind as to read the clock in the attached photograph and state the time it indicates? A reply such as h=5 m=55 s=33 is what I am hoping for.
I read h=6 m=58 s=13
